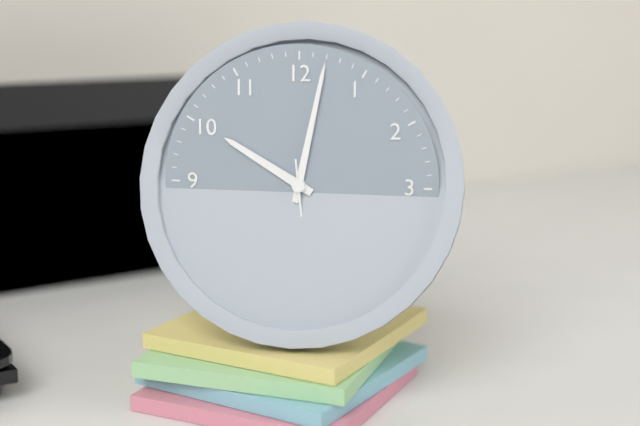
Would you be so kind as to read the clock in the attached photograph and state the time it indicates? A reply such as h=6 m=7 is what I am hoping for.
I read h=10 m=2
